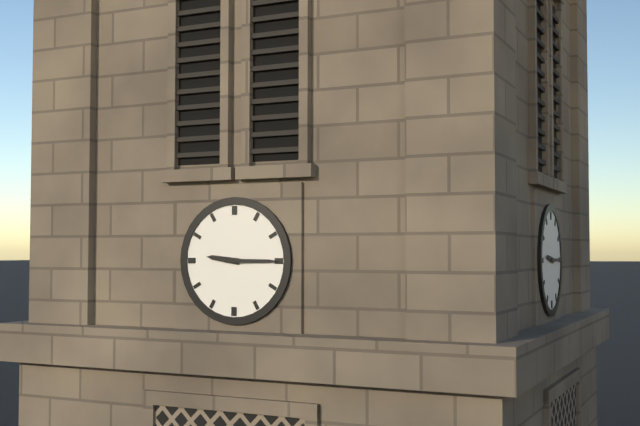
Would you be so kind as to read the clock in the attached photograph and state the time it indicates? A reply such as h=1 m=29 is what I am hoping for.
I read h=9 m=15
